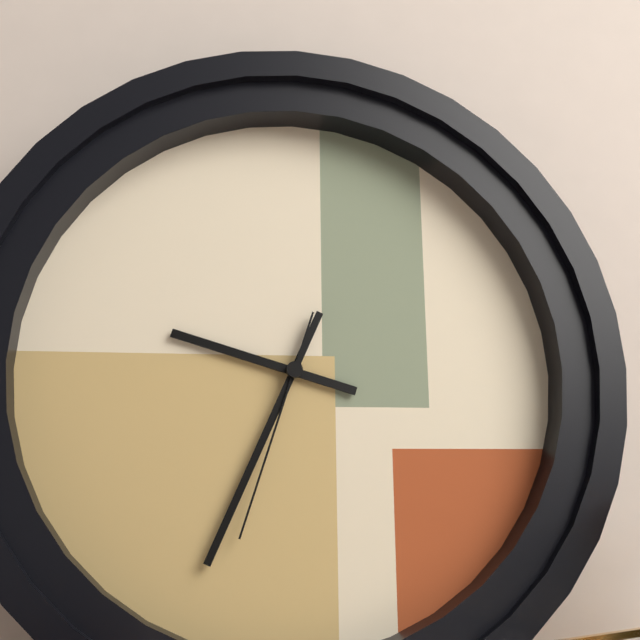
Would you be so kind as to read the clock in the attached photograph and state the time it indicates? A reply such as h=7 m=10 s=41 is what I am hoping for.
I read h=9 m=34 s=33
